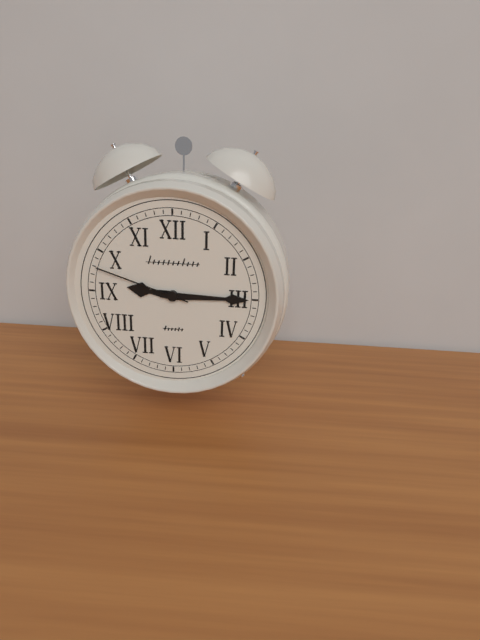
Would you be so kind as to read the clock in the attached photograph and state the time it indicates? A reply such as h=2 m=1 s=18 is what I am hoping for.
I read h=9 m=15 s=48
